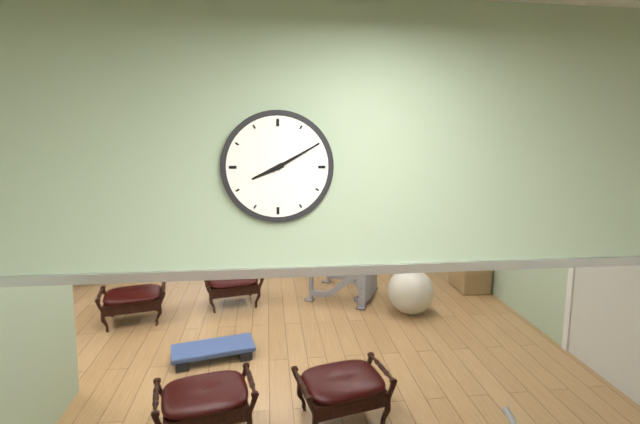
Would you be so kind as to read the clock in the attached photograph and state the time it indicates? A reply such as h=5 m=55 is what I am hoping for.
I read h=8 m=10
